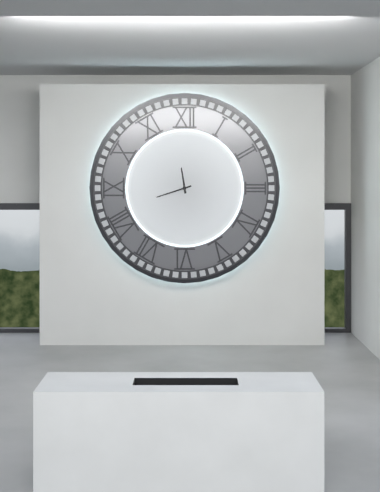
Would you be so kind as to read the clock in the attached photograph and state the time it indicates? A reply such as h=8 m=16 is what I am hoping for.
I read h=11 m=42
